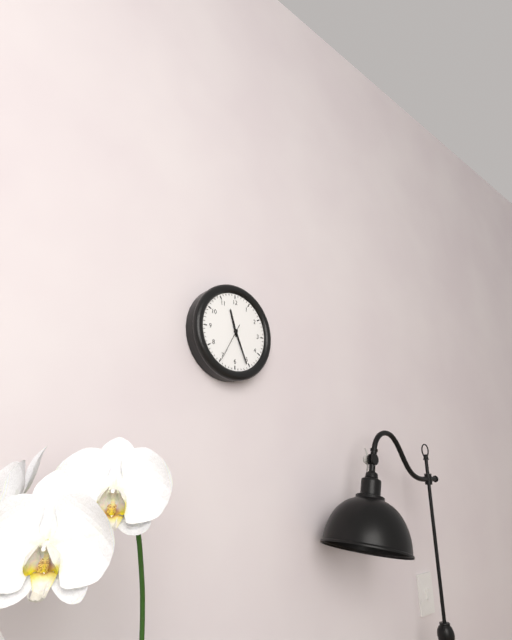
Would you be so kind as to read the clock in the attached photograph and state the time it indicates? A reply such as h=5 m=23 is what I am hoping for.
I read h=11 m=26
